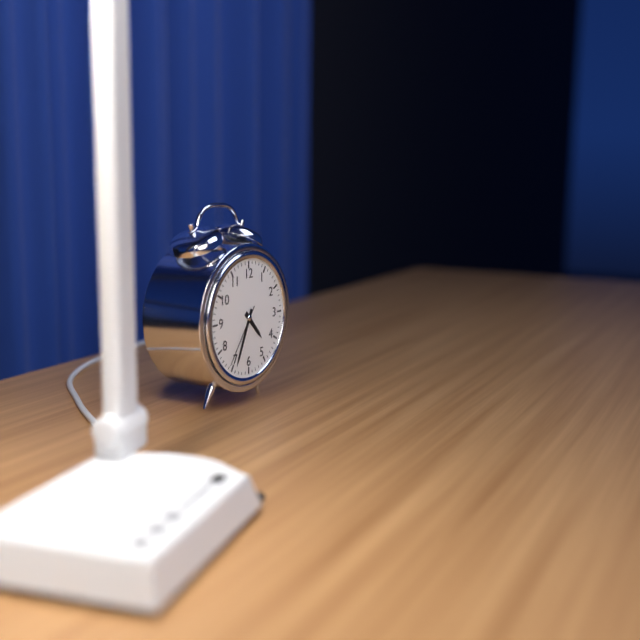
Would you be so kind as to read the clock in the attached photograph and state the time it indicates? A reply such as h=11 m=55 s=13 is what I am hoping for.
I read h=4 m=34 s=36
